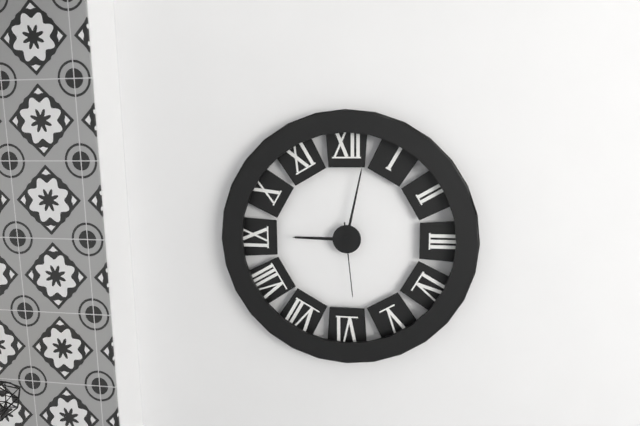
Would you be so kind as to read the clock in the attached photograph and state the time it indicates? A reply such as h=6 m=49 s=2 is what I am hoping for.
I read h=9 m=2 s=29
